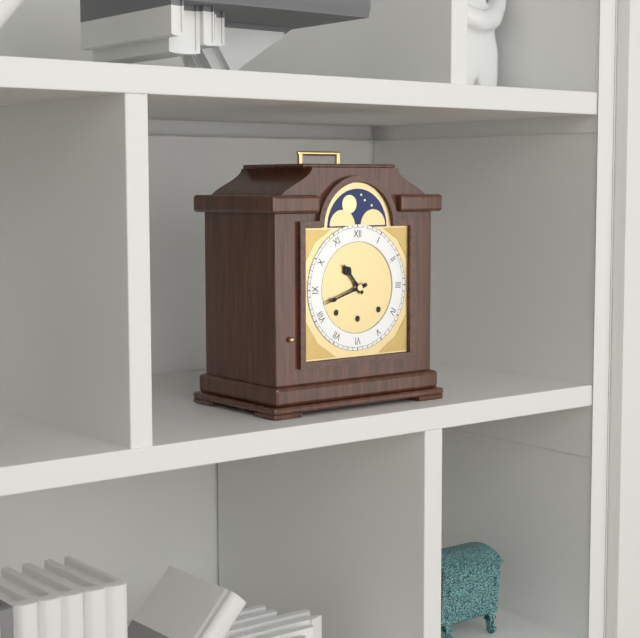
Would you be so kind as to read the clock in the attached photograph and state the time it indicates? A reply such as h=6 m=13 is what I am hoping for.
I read h=10 m=42
